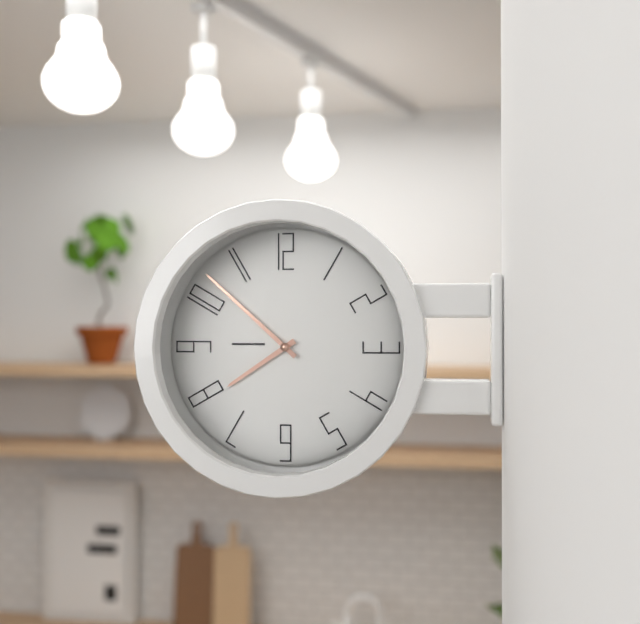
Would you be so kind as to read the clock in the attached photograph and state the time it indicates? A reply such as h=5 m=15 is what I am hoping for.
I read h=7 m=52
